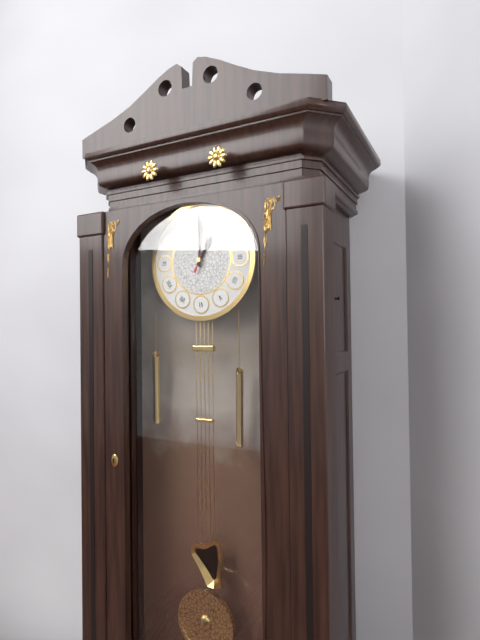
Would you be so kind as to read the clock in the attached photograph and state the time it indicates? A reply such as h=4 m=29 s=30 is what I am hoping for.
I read h=1 m=0 s=4
